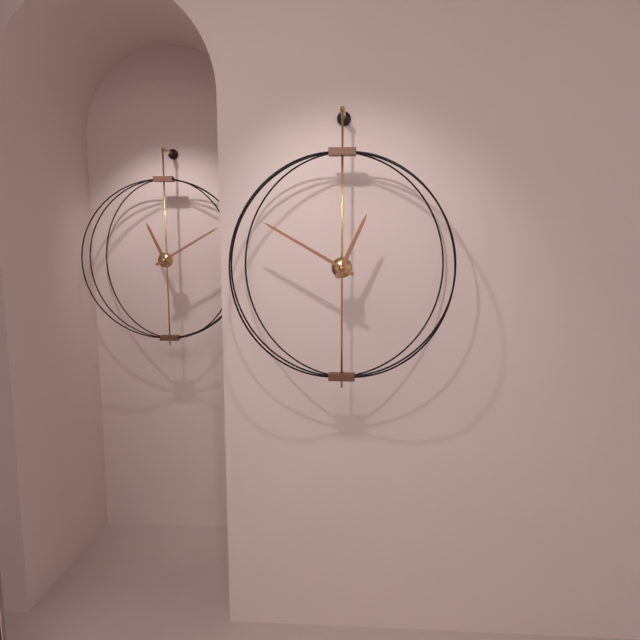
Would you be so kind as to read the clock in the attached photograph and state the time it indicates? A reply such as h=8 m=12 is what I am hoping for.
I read h=12 m=50
